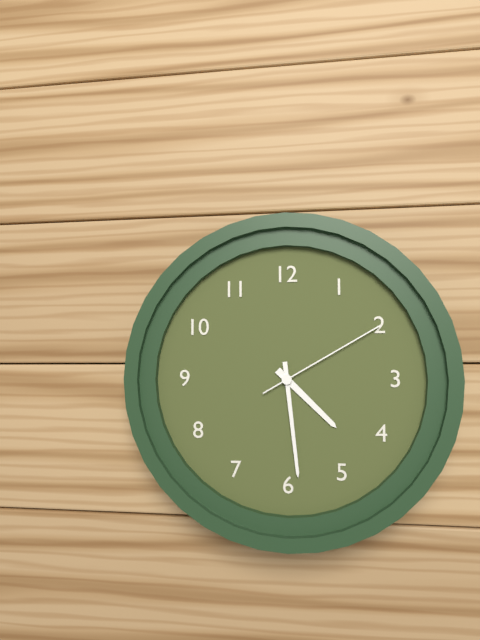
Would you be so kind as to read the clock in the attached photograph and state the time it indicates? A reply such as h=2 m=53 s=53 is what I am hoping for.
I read h=4 m=29 s=10
